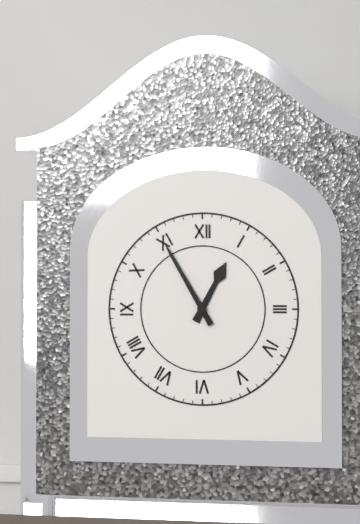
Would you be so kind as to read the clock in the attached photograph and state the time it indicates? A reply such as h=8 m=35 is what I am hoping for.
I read h=12 m=55
